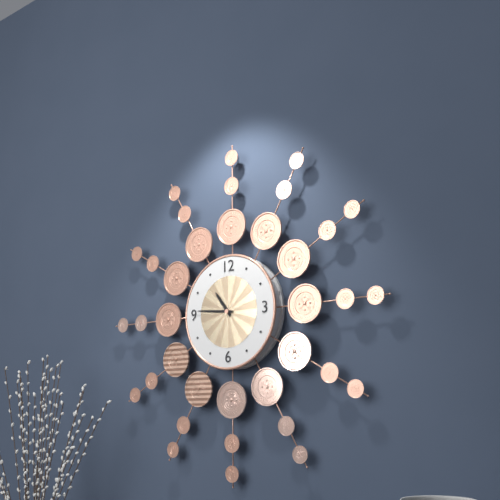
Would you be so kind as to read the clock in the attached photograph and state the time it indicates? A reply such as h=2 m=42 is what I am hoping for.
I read h=10 m=46
